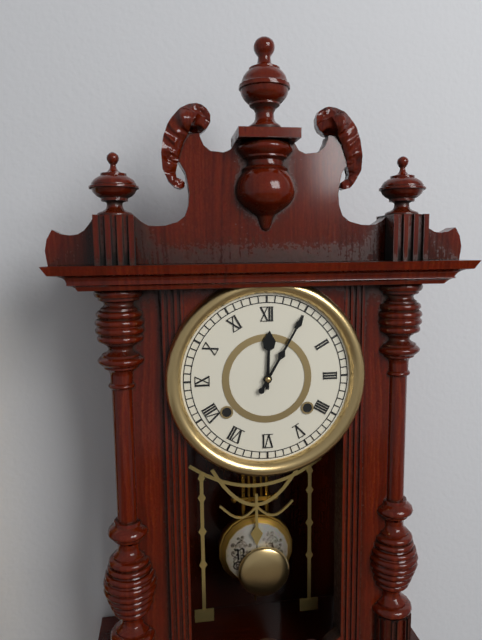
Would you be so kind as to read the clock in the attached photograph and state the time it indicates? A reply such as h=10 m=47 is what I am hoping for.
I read h=12 m=5
